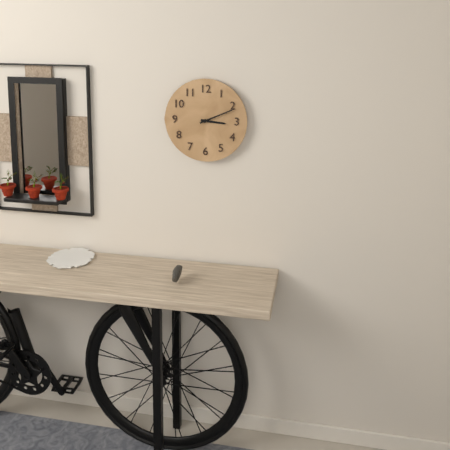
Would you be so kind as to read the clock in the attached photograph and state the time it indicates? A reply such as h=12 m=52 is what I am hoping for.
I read h=3 m=11
